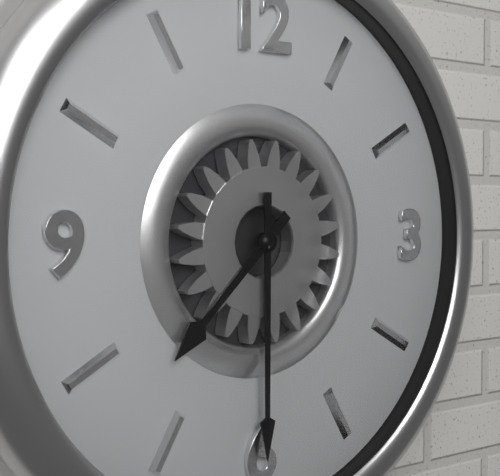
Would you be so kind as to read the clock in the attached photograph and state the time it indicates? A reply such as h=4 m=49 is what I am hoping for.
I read h=7 m=30
